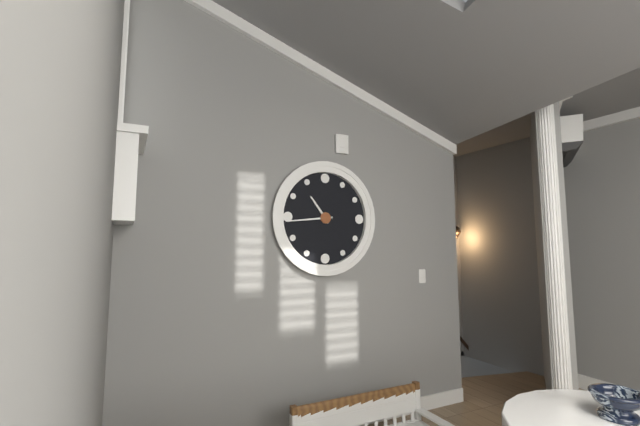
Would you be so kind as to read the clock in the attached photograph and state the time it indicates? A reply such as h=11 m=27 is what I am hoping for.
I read h=10 m=44
